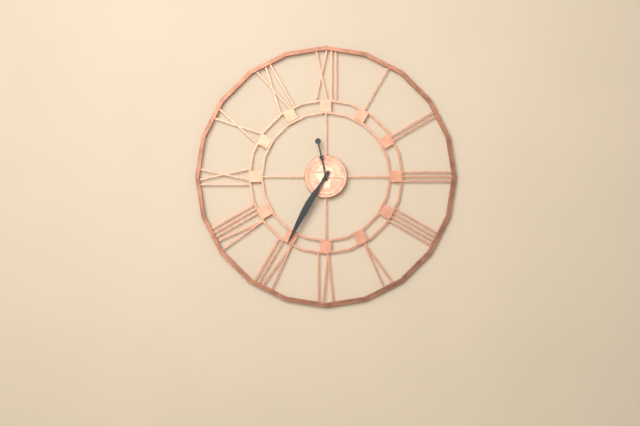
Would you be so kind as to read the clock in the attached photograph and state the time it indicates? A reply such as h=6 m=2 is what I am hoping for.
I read h=11 m=35
